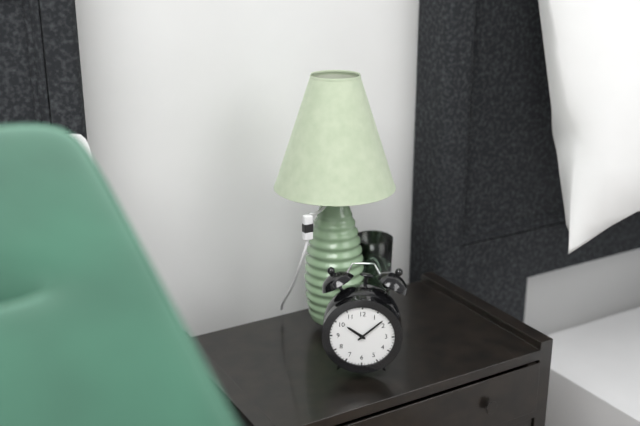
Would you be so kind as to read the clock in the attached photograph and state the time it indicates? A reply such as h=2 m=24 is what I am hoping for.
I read h=10 m=8
